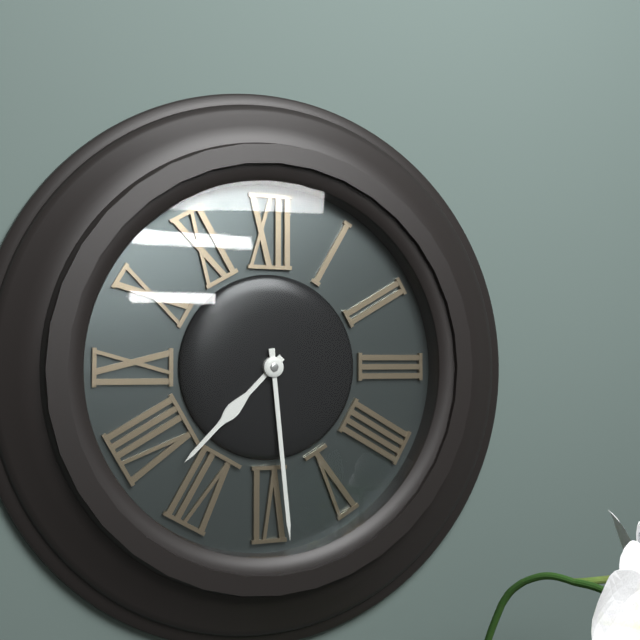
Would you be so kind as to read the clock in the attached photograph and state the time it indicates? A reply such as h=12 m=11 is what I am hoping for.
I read h=7 m=29
